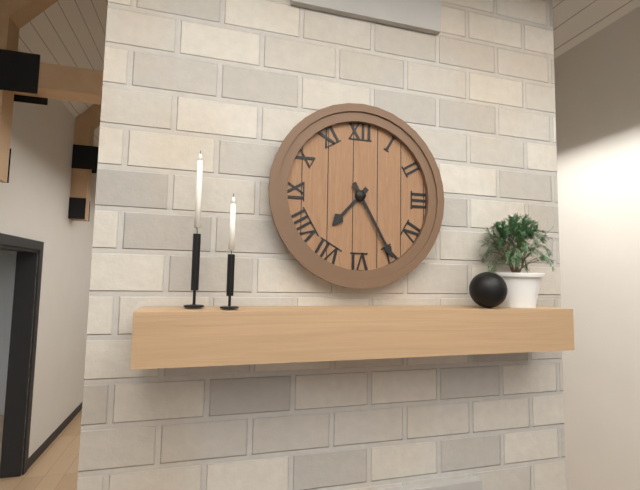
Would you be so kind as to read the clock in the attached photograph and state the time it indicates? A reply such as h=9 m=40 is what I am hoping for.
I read h=7 m=25
